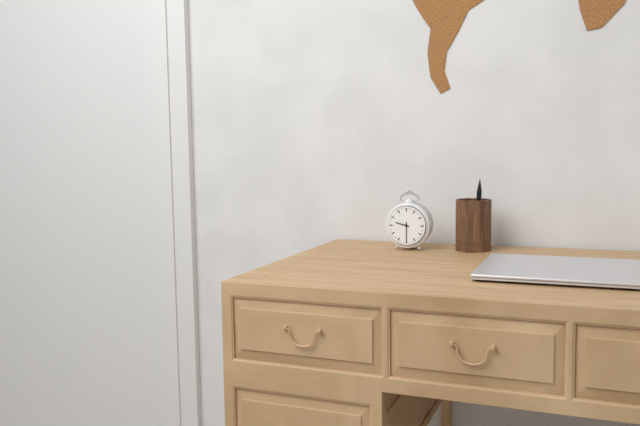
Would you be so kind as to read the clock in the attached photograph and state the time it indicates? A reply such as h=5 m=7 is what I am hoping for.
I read h=9 m=30
